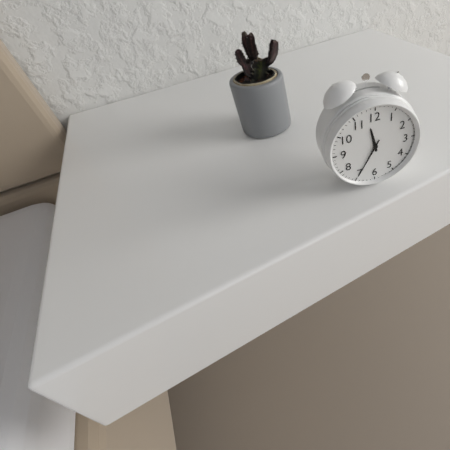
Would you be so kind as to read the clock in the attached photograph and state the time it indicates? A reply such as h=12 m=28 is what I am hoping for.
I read h=11 m=35
